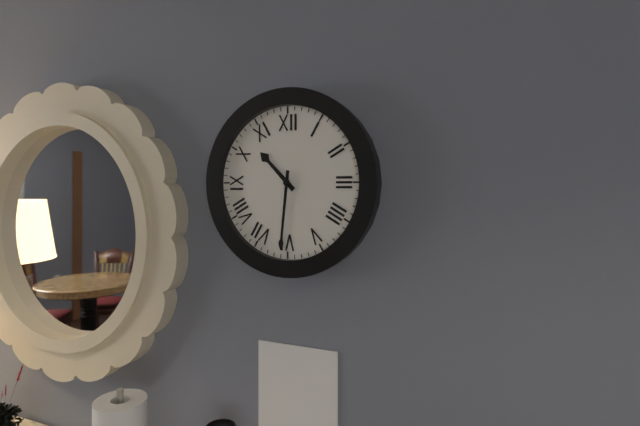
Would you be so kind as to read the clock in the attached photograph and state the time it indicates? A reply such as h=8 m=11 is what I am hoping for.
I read h=10 m=31
